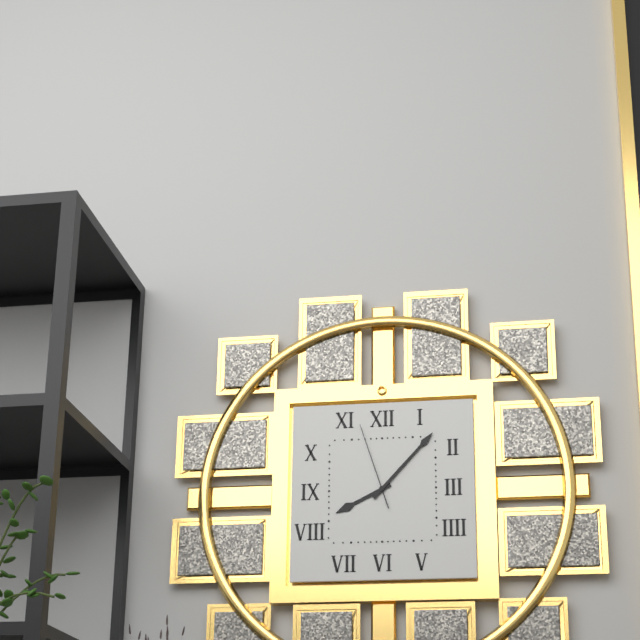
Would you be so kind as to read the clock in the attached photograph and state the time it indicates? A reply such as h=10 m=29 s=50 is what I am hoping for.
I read h=8 m=7 s=57
